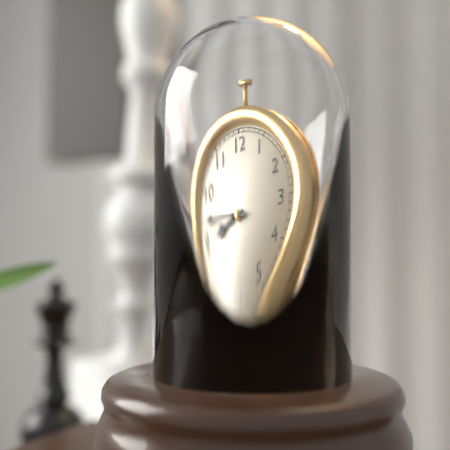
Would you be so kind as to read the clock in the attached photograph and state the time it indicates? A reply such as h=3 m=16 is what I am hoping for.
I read h=8 m=47
